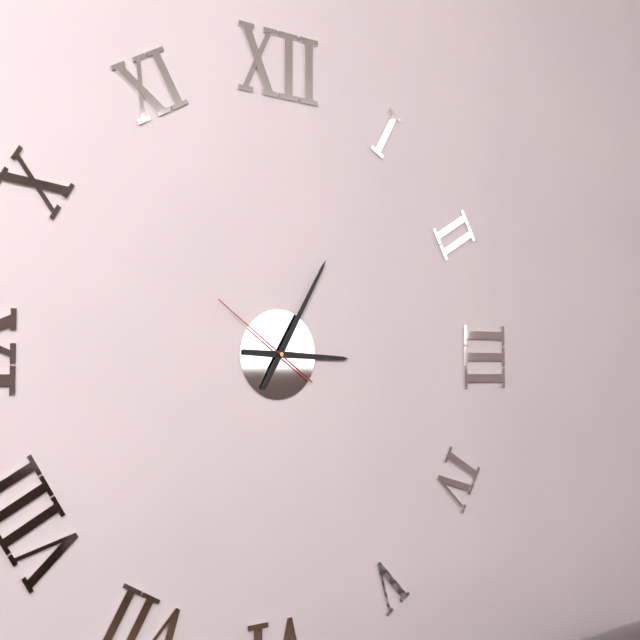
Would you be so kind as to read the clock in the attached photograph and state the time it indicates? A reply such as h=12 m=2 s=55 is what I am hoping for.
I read h=3 m=5 s=51
